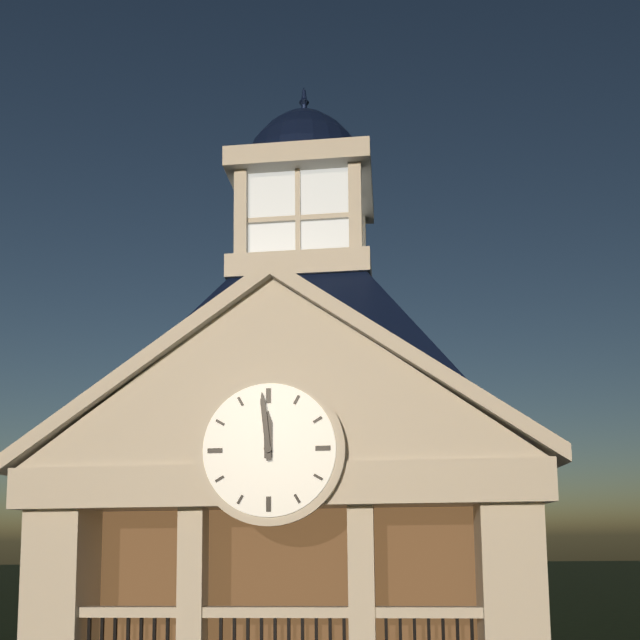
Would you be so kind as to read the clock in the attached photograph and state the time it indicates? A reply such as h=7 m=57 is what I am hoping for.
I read h=11 m=59
